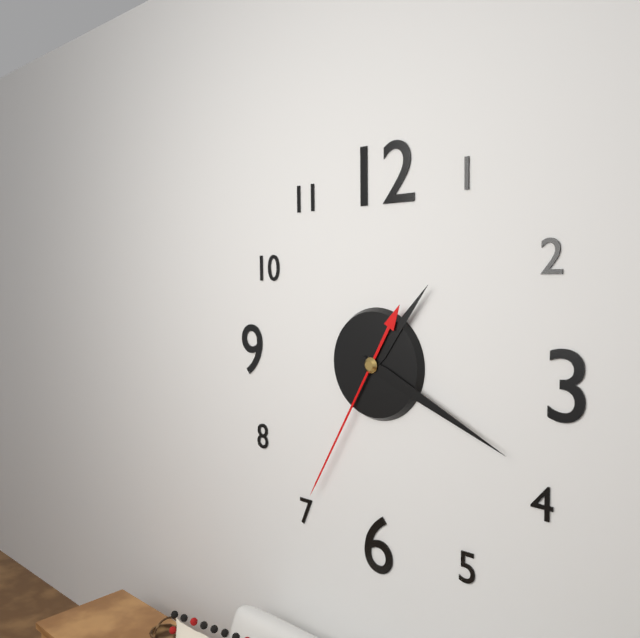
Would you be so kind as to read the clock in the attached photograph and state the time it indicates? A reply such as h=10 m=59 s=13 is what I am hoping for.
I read h=1 m=19 s=35
